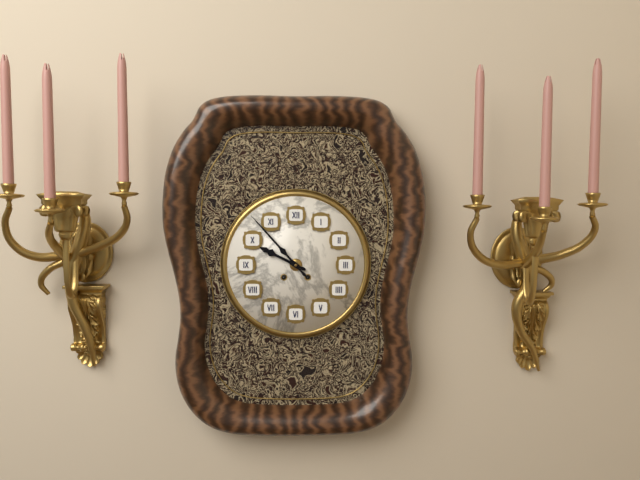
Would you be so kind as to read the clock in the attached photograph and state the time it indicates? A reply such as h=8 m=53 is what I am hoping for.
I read h=9 m=53
